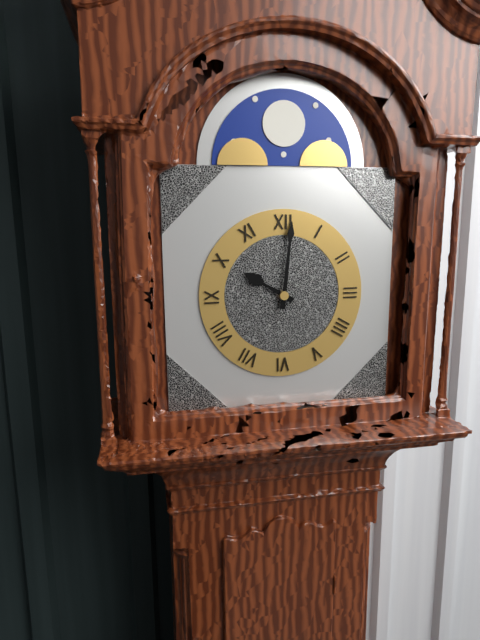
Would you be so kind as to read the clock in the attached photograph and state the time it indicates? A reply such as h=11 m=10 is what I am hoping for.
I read h=10 m=1
